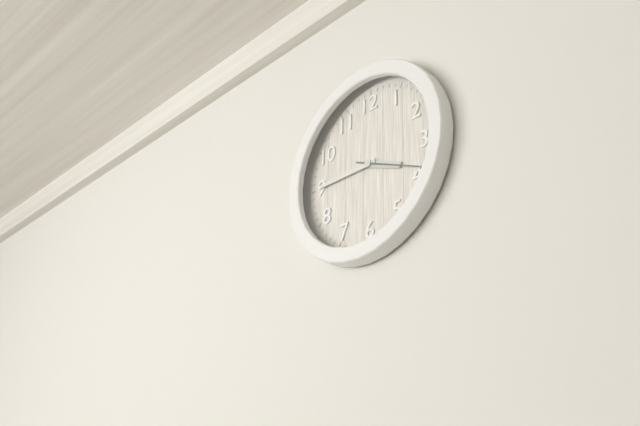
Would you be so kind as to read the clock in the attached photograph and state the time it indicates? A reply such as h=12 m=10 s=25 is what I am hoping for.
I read h=3 m=45 s=19
